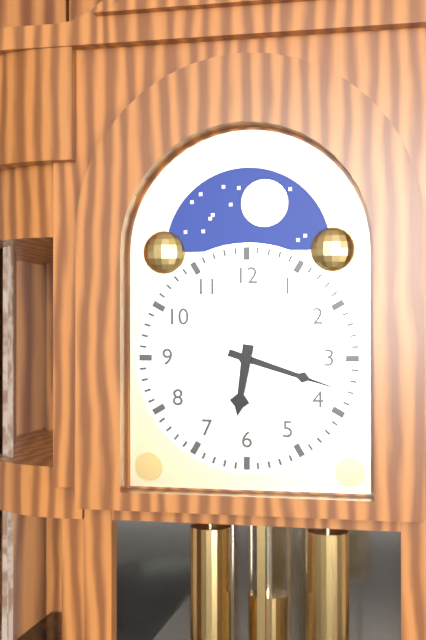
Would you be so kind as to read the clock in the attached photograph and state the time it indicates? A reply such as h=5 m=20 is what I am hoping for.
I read h=6 m=18
